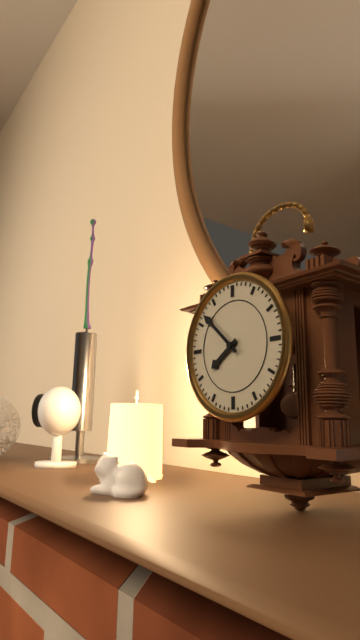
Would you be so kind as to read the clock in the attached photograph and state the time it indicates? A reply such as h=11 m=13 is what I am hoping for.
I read h=7 m=52
